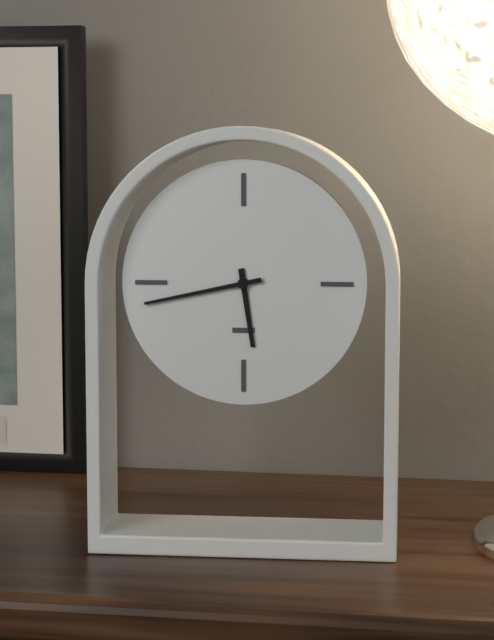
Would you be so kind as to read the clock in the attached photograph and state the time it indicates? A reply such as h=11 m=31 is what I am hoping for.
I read h=5 m=43
